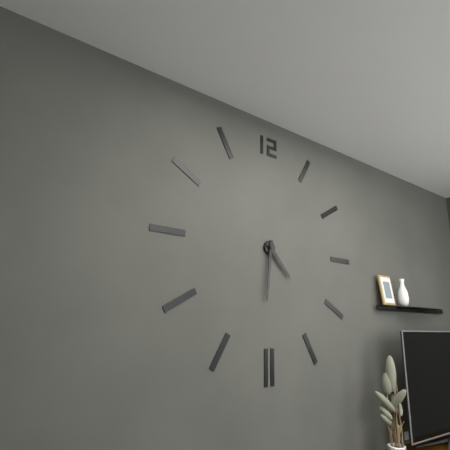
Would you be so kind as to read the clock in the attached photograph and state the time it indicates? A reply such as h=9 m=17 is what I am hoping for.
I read h=4 m=31
